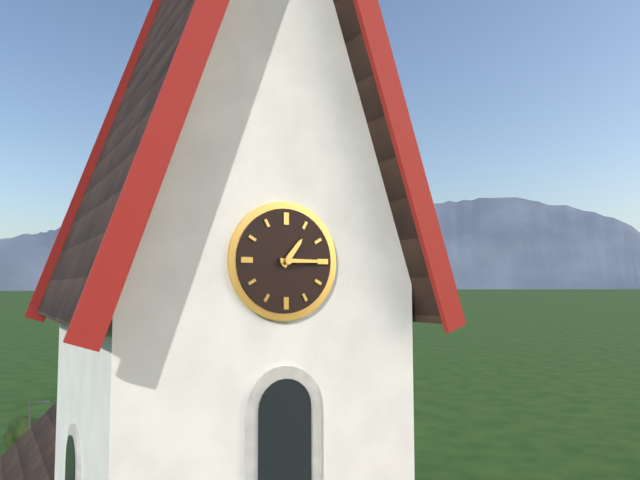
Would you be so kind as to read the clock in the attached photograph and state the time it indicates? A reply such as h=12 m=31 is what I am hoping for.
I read h=1 m=15
